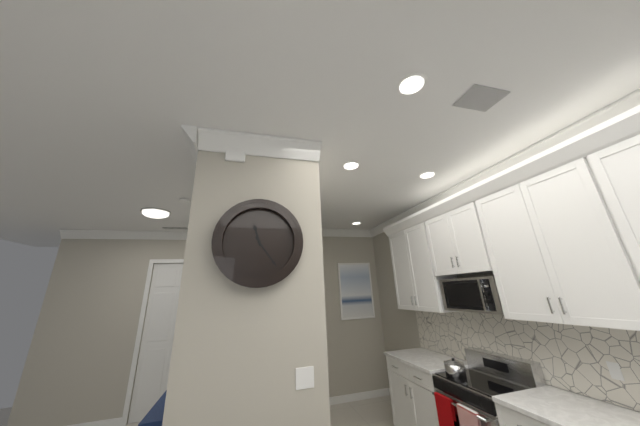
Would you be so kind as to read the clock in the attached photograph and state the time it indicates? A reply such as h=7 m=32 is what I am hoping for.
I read h=11 m=24
